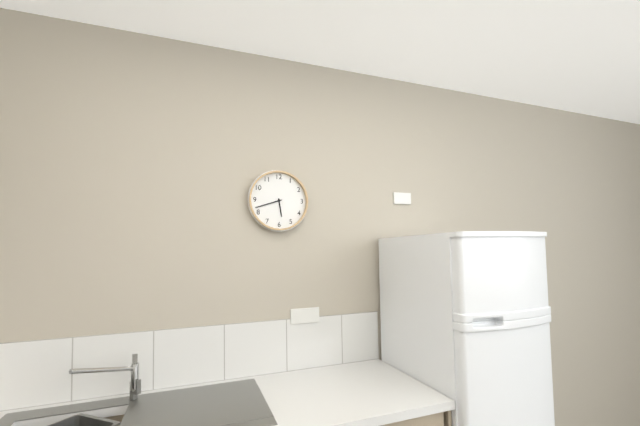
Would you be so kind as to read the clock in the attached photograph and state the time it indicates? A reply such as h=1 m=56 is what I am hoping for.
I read h=5 m=42
